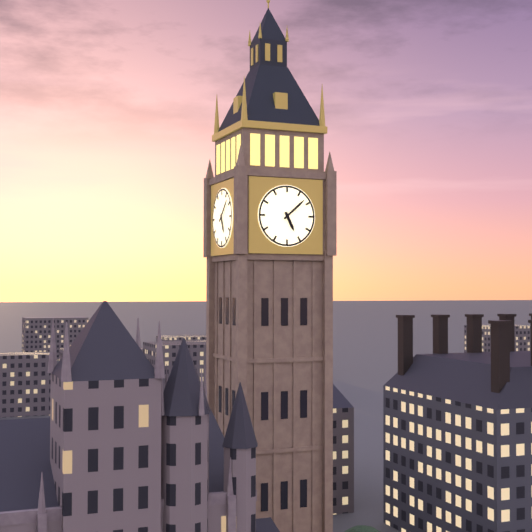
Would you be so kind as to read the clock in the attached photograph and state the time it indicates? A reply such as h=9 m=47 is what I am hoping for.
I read h=5 m=8
